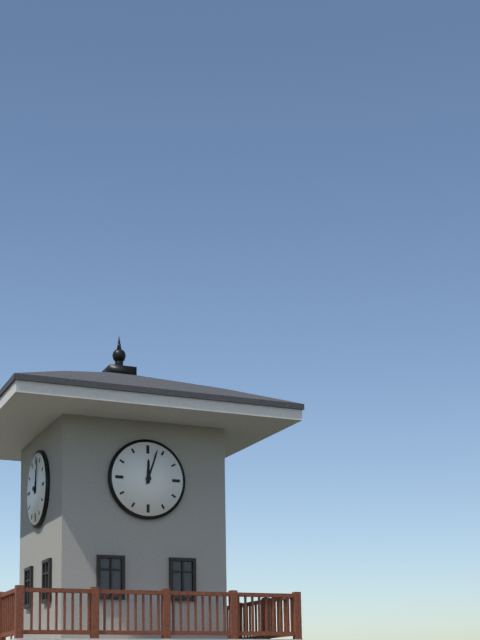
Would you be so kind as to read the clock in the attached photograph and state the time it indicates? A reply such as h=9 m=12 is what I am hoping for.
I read h=12 m=3
